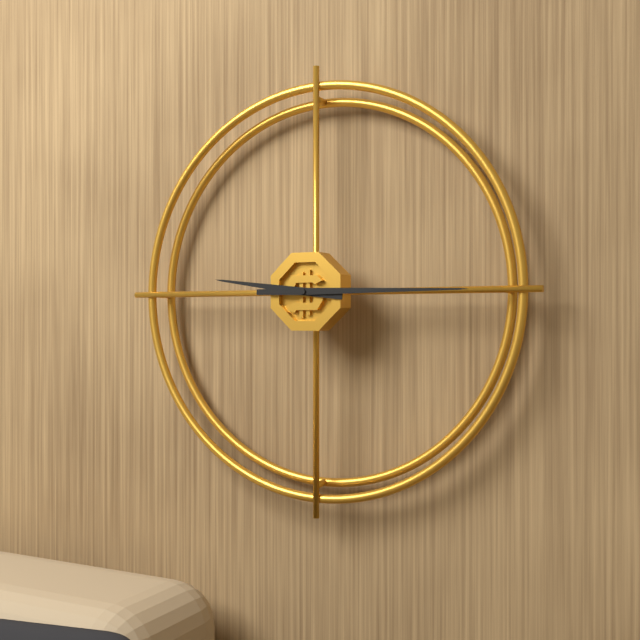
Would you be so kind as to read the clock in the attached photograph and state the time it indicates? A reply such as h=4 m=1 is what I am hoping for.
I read h=9 m=15
